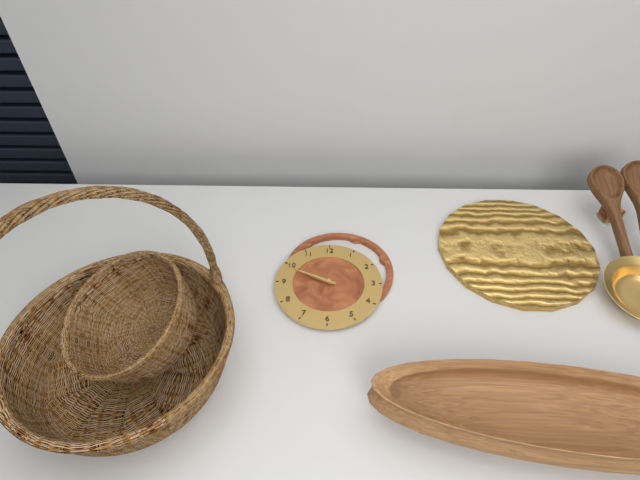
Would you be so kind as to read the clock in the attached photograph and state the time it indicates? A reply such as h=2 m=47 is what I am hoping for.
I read h=9 m=49
